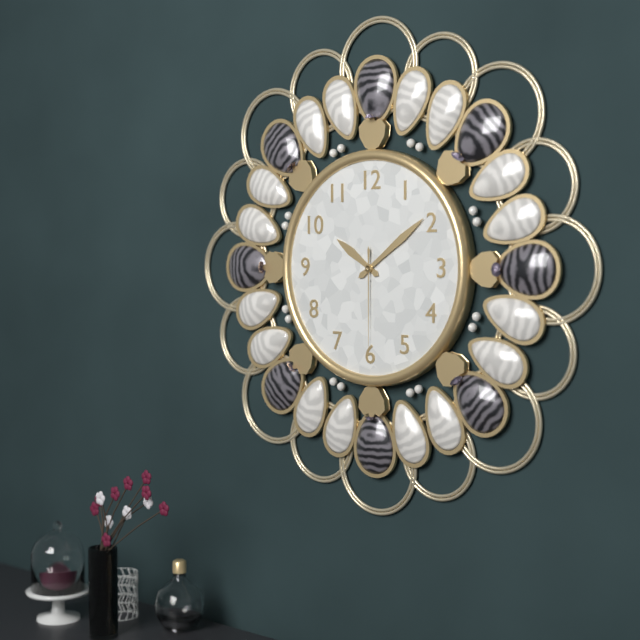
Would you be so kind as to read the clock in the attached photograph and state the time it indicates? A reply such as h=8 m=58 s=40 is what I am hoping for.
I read h=10 m=9 s=30
